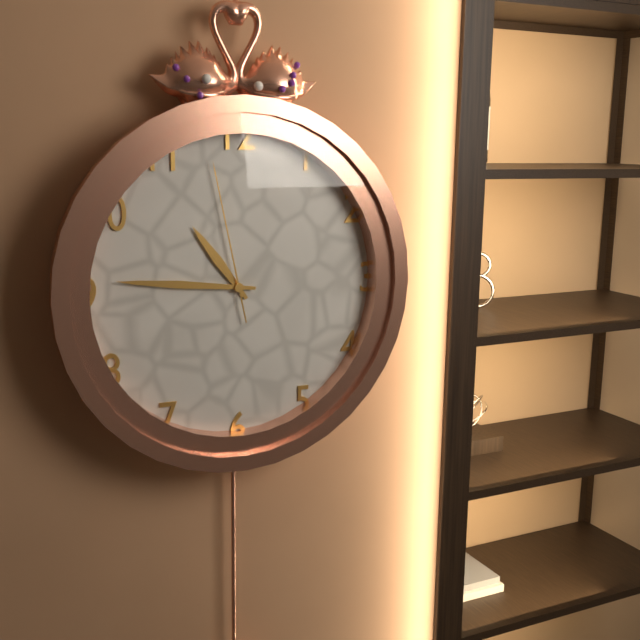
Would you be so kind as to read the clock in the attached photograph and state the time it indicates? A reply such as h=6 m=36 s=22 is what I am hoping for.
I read h=10 m=46 s=58
